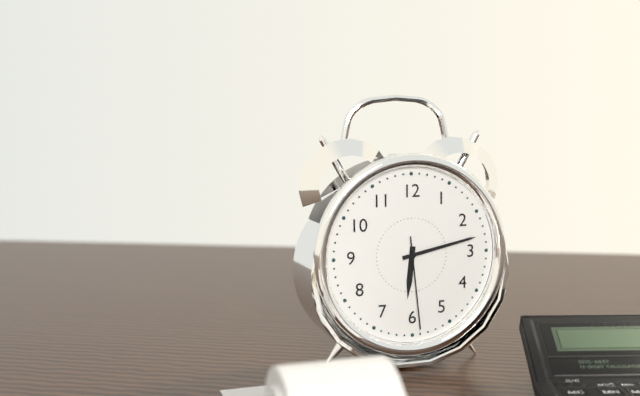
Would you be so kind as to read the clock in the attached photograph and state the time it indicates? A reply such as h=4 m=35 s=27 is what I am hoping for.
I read h=6 m=13 s=29
